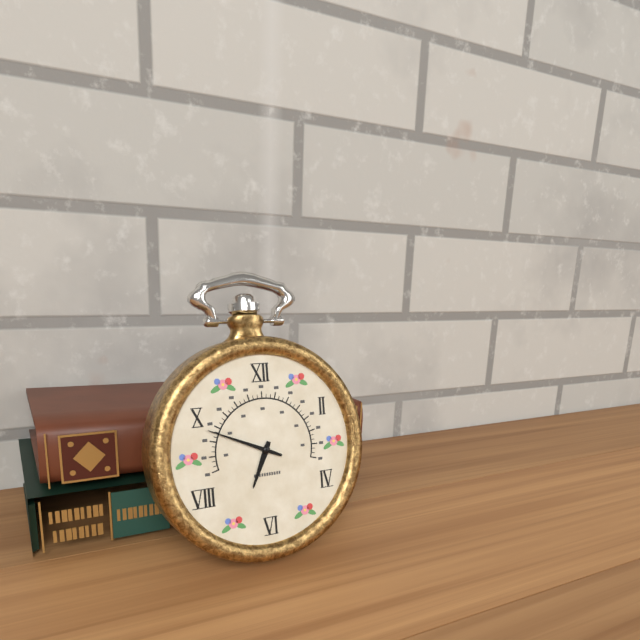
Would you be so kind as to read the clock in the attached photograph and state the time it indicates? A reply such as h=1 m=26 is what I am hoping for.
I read h=6 m=49
